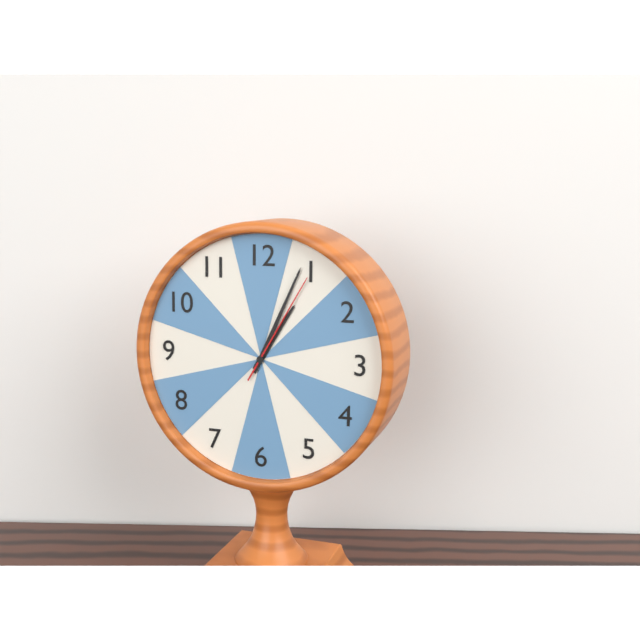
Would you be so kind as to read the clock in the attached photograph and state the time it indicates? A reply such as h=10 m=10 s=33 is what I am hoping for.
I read h=1 m=4 s=5
